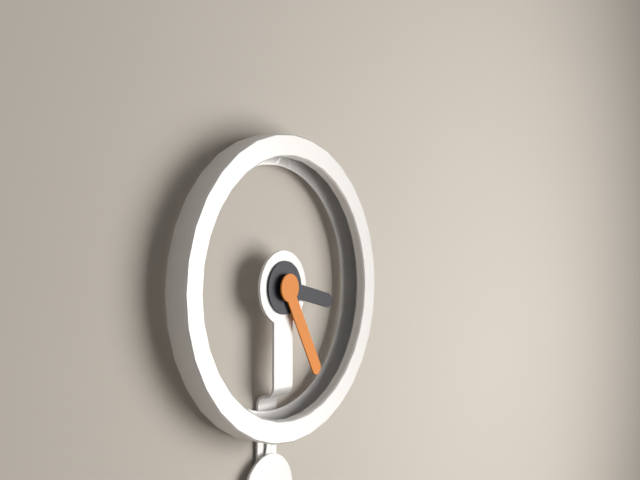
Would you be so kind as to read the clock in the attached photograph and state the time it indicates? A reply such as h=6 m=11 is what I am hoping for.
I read h=3 m=25
